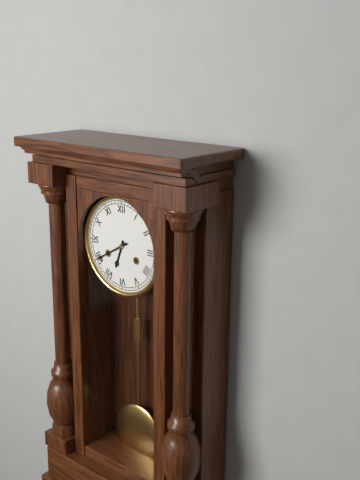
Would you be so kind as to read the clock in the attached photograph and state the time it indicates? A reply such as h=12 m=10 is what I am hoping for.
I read h=6 m=40
